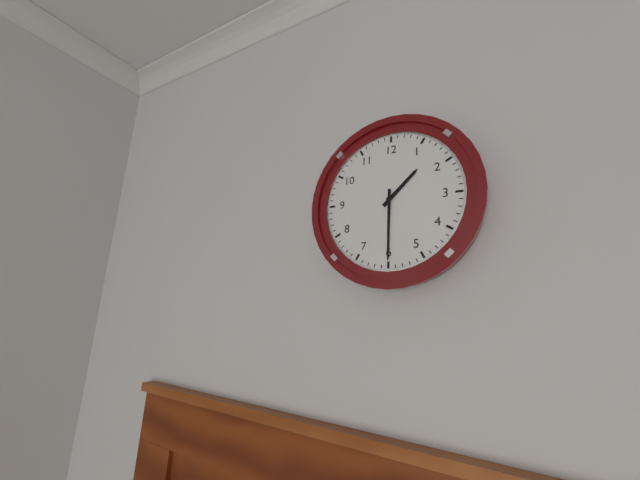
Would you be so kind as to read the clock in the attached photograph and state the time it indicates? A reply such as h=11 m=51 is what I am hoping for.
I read h=1 m=30
